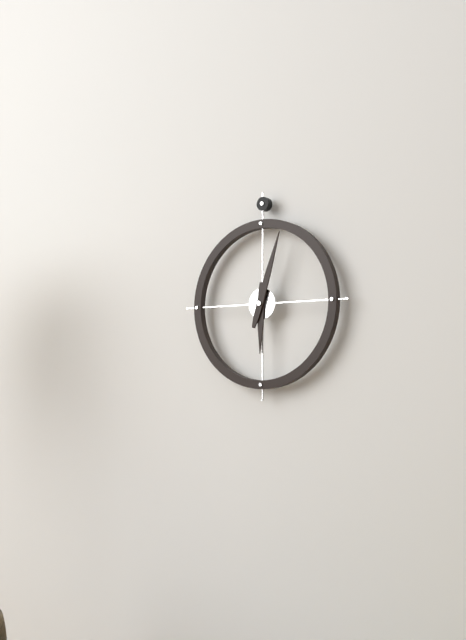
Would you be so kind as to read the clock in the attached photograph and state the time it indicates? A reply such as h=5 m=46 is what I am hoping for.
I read h=6 m=3
